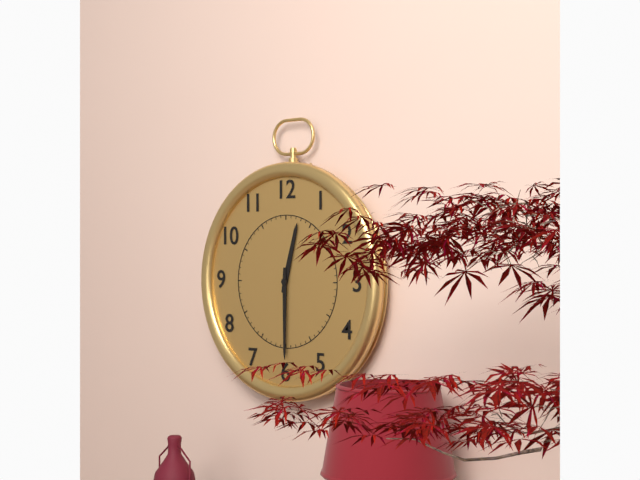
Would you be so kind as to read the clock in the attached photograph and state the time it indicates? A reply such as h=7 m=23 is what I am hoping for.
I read h=12 m=30
